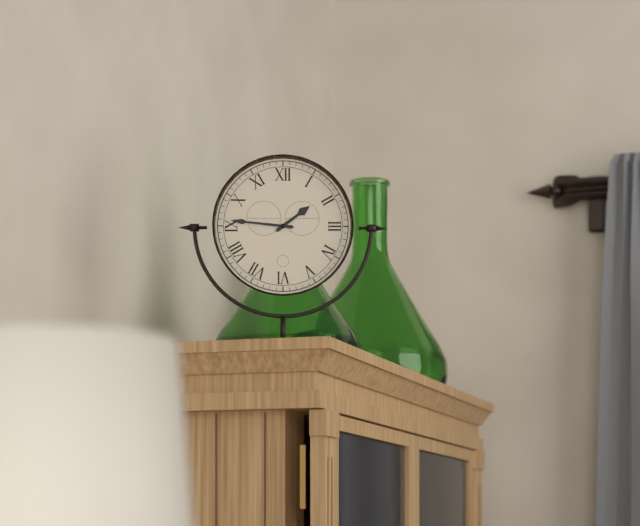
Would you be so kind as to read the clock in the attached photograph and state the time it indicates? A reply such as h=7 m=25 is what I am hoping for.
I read h=1 m=46
